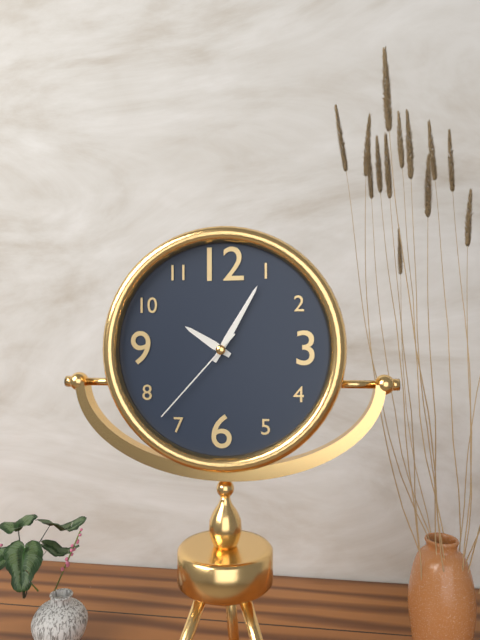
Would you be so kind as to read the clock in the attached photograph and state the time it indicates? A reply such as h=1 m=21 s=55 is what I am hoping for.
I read h=10 m=5 s=37
